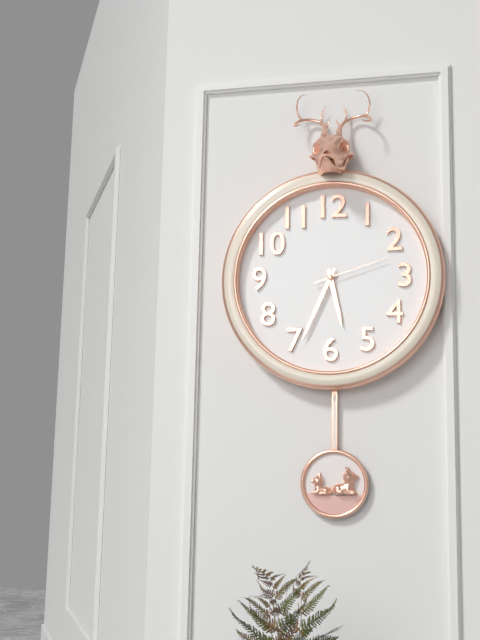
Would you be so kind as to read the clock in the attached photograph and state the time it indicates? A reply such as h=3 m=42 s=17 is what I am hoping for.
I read h=5 m=34 s=12
